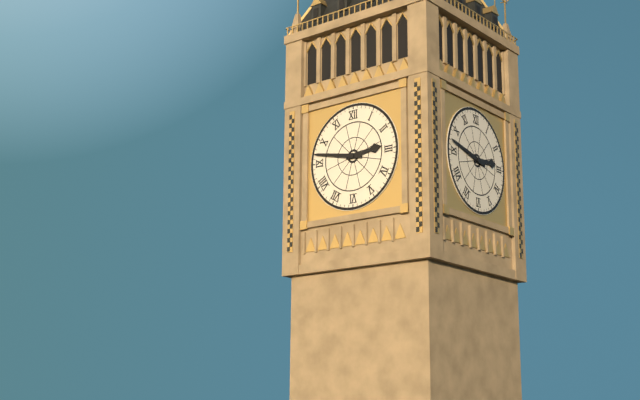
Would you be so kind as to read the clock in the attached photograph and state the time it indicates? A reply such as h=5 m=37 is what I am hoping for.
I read h=2 m=47
